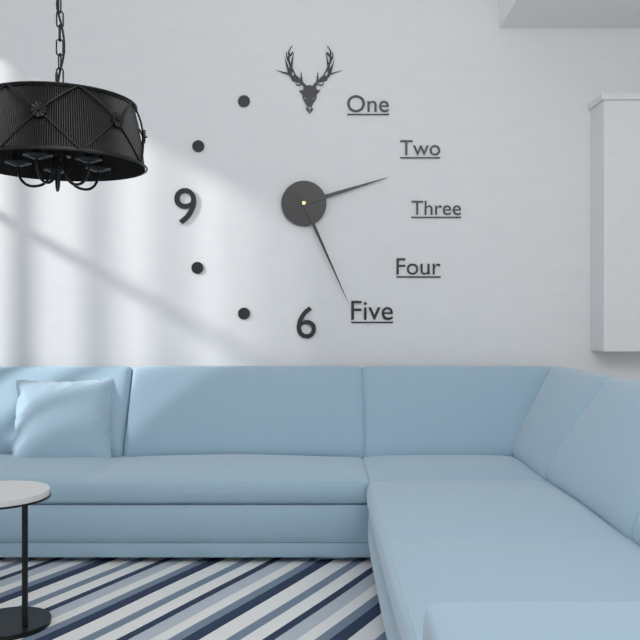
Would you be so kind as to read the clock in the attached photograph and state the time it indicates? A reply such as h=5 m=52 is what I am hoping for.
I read h=2 m=26
